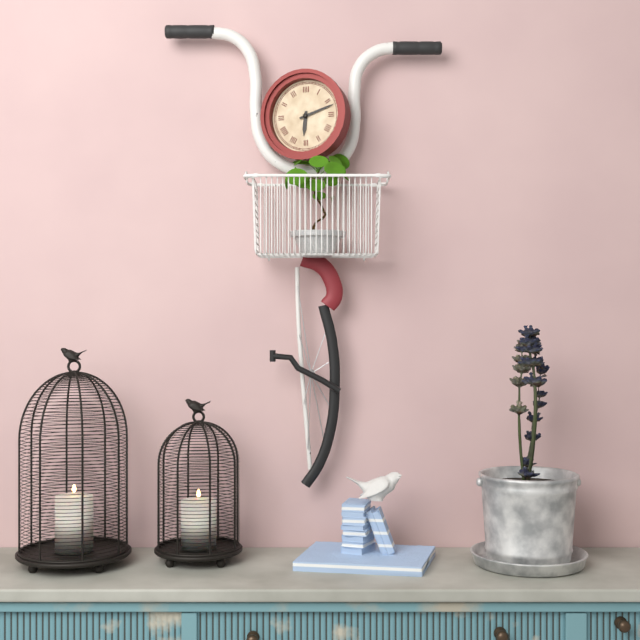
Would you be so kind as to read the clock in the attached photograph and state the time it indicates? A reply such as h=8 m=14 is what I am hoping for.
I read h=6 m=12
